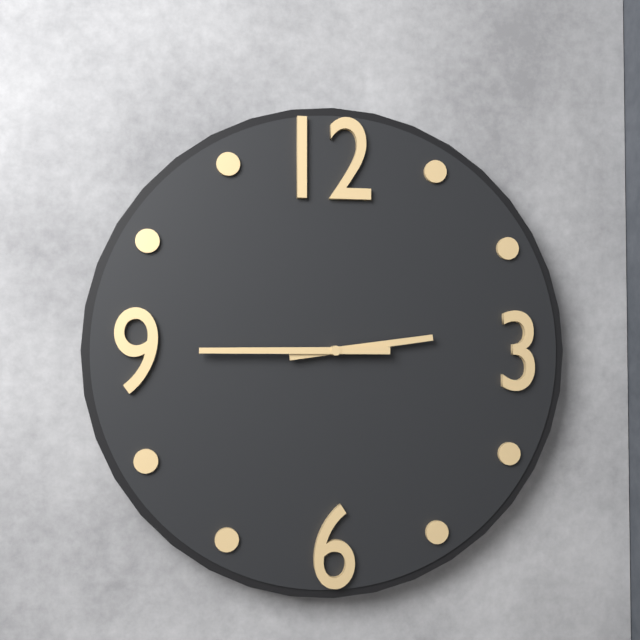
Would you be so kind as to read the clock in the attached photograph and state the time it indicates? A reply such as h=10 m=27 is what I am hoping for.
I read h=2 m=45
